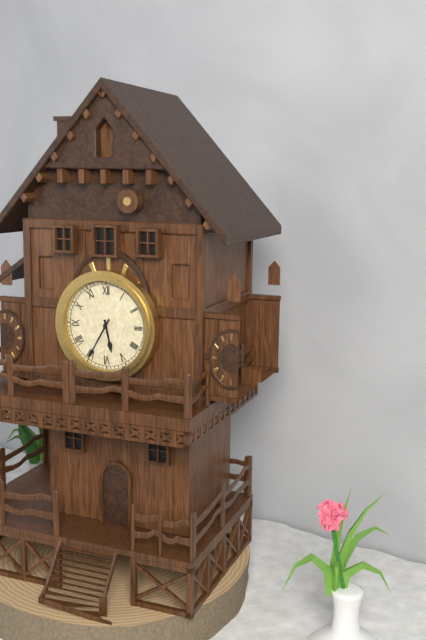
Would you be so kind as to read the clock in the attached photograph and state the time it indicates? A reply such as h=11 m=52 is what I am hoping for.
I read h=5 m=35
